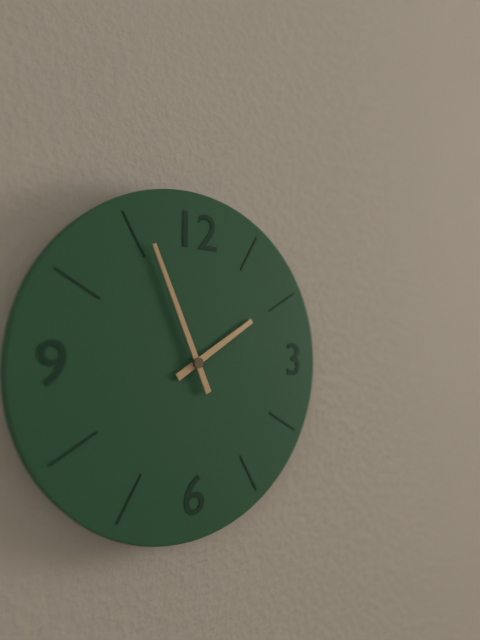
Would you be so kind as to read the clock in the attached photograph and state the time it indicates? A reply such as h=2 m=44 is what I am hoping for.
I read h=1 m=56
